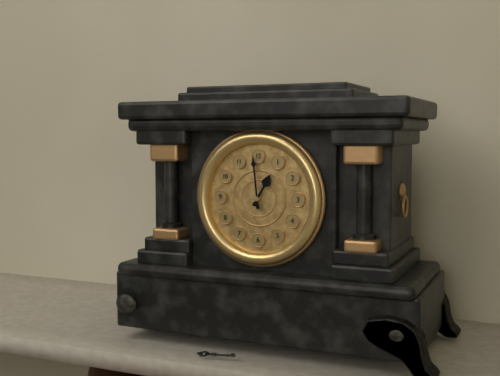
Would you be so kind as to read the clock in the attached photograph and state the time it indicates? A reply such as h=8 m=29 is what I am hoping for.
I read h=12 m=59
